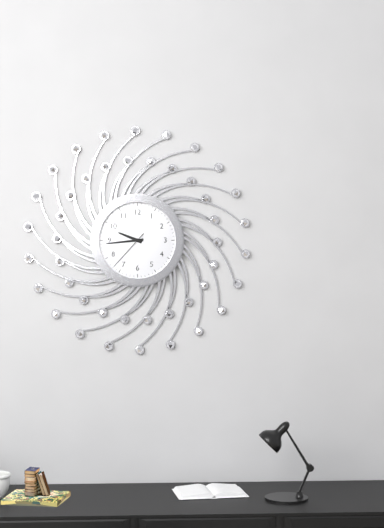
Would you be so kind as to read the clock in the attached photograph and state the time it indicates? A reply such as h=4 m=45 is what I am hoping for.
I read h=9 m=44
